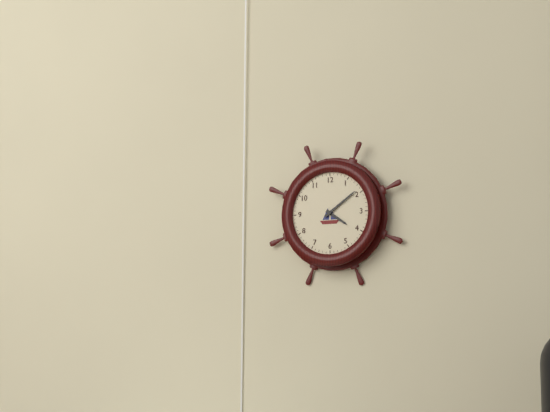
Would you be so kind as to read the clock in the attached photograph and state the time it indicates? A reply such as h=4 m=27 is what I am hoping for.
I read h=4 m=9
